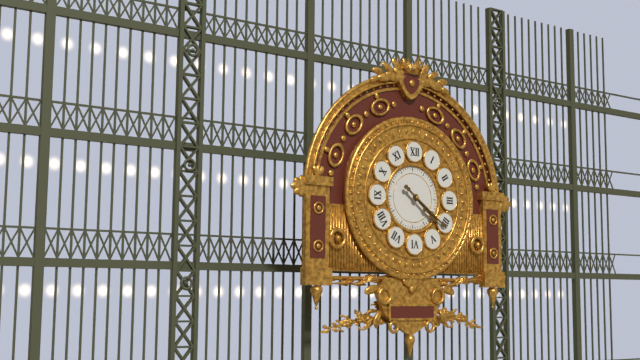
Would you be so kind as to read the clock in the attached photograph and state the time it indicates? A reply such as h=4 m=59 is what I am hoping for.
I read h=4 m=21
